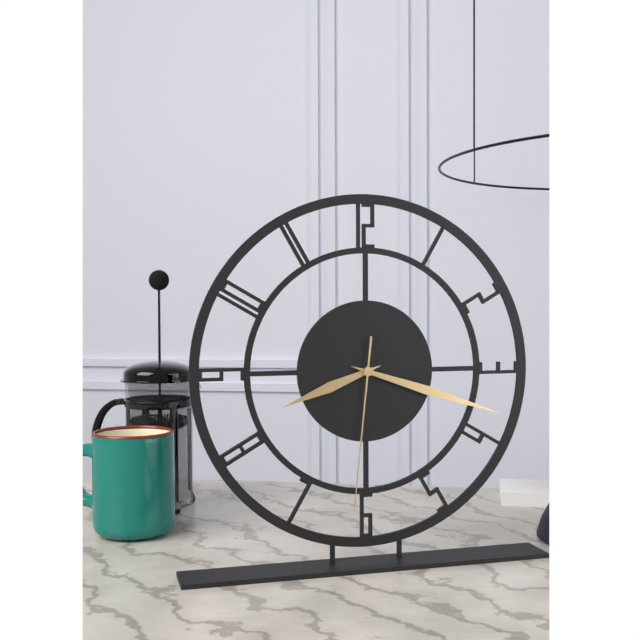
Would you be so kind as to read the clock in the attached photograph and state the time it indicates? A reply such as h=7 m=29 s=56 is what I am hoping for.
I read h=8 m=18 s=31
